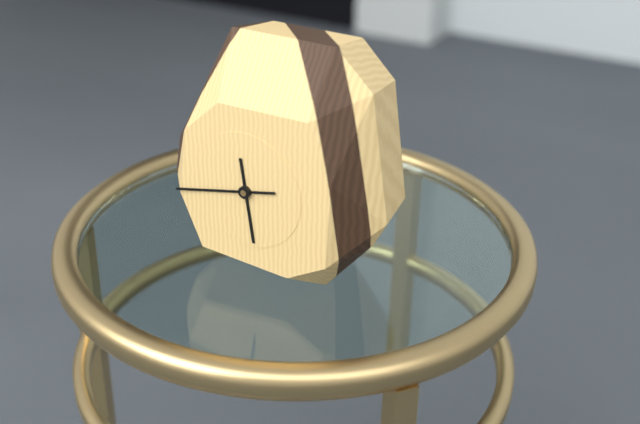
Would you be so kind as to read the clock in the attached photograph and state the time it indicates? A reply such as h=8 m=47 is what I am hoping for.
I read h=5 m=43
